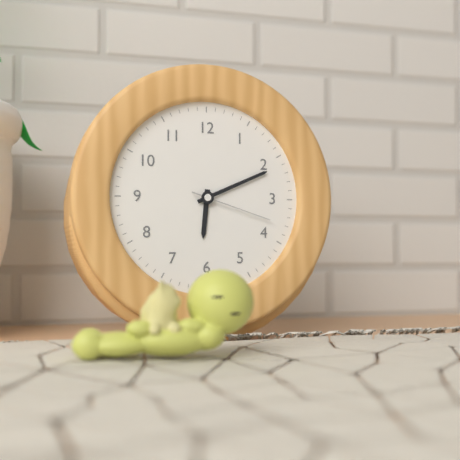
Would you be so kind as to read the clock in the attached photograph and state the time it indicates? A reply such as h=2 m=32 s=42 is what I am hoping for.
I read h=6 m=11 s=18
